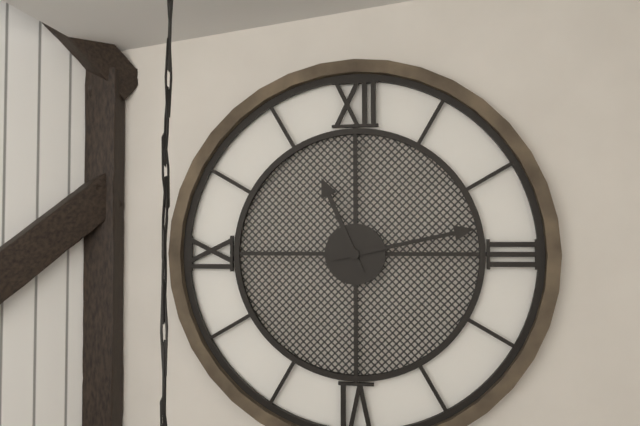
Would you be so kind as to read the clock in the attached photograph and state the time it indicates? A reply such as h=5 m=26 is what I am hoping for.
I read h=11 m=13
